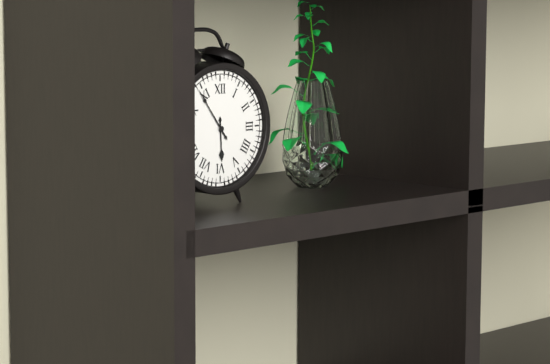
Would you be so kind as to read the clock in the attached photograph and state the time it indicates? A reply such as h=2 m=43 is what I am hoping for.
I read h=5 m=54
